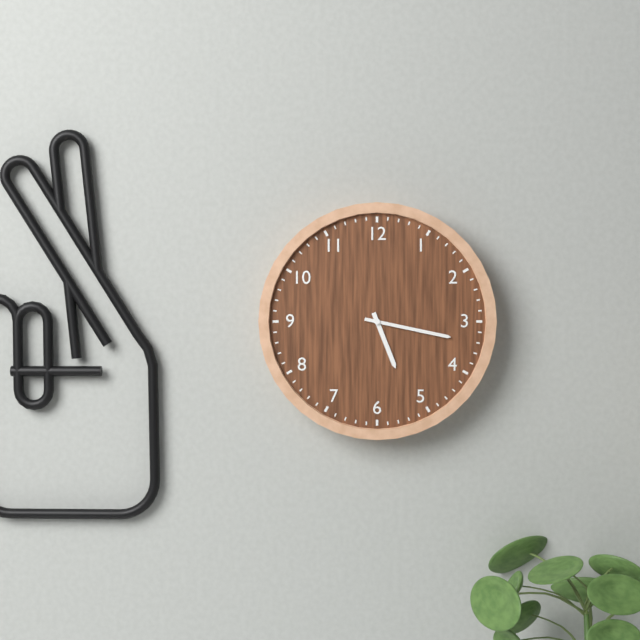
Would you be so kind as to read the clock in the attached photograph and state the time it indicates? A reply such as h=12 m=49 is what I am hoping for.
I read h=5 m=17
